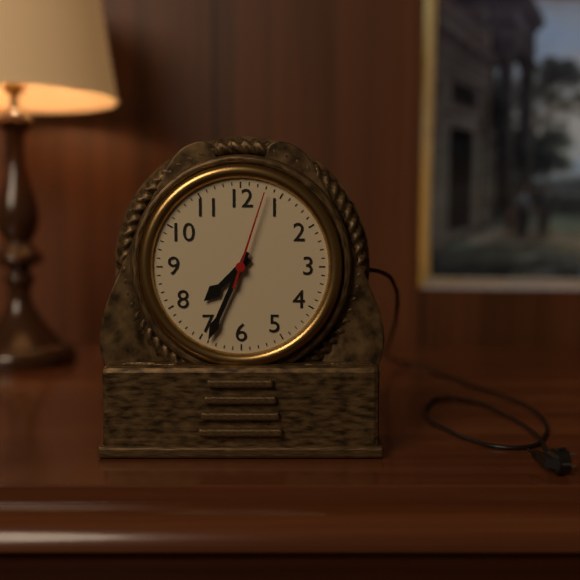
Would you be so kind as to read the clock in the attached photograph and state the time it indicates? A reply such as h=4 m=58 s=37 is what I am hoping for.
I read h=7 m=34 s=3
